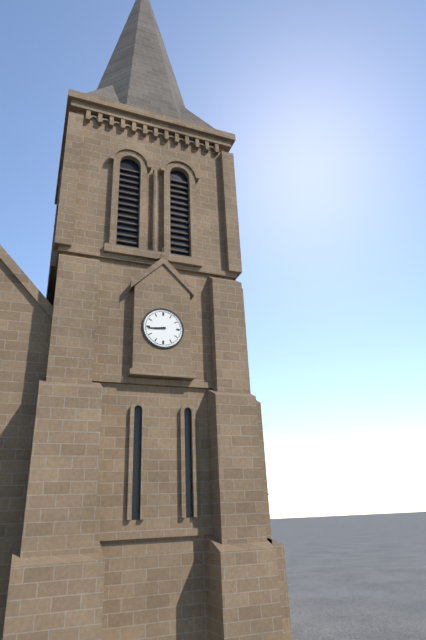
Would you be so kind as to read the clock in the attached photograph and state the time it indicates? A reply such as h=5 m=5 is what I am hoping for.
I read h=8 m=44
